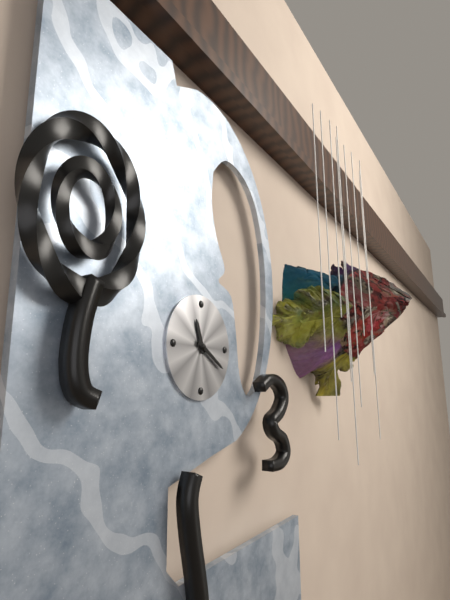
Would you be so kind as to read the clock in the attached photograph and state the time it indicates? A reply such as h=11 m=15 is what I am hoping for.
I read h=11 m=20
